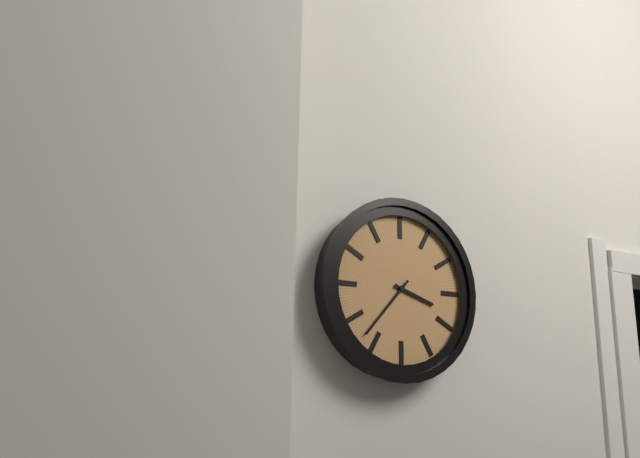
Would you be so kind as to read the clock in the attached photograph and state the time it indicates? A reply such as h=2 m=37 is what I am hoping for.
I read h=3 m=37
